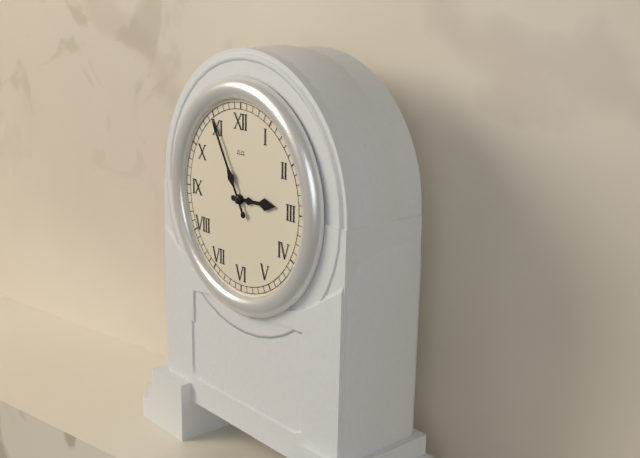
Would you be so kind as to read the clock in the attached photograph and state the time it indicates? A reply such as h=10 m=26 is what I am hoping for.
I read h=2 m=55
